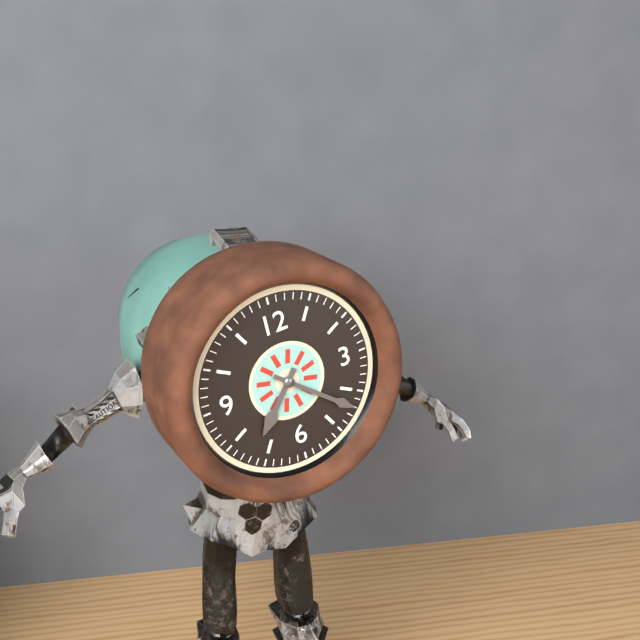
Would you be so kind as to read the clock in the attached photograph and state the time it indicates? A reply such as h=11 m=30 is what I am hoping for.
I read h=7 m=22
